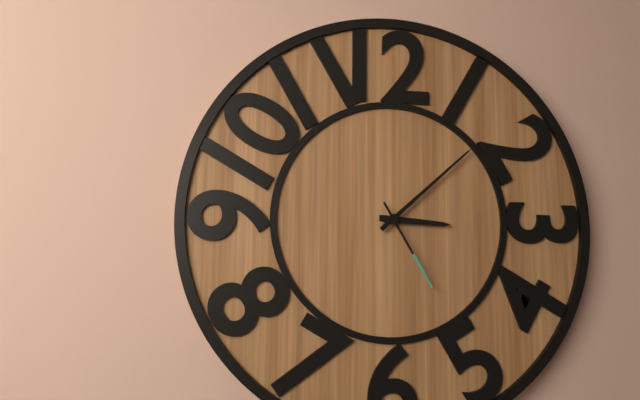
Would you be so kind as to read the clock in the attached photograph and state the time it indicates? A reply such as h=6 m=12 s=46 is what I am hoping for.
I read h=3 m=8 s=25
